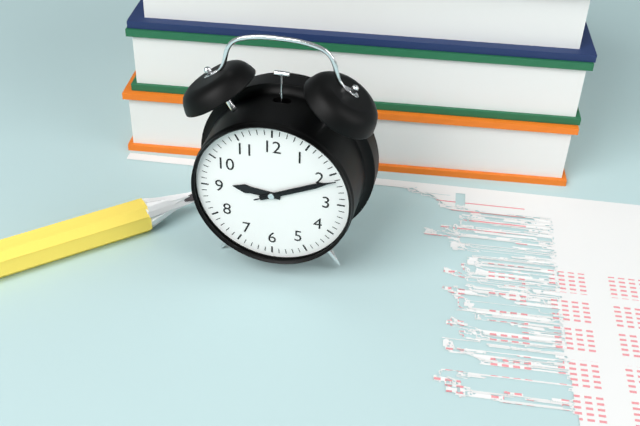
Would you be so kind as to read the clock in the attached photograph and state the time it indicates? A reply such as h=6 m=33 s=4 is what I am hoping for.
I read h=9 m=11 s=11
